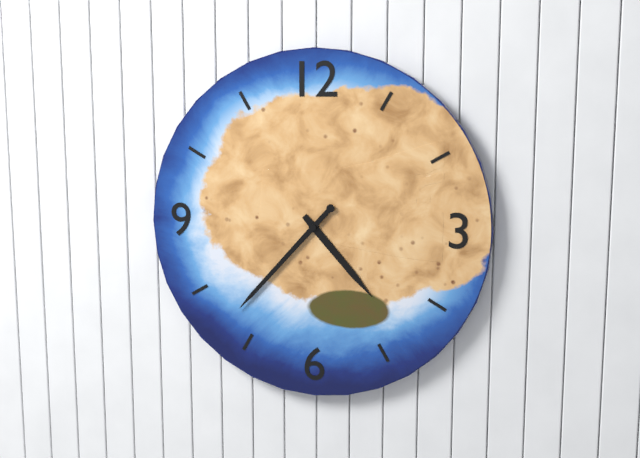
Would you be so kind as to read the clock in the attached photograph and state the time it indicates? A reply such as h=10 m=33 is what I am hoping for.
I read h=4 m=37
